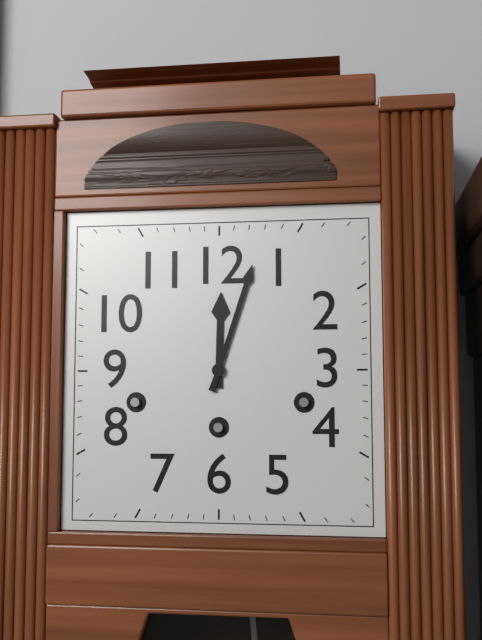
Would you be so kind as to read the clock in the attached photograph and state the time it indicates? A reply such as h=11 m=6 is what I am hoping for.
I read h=12 m=3
